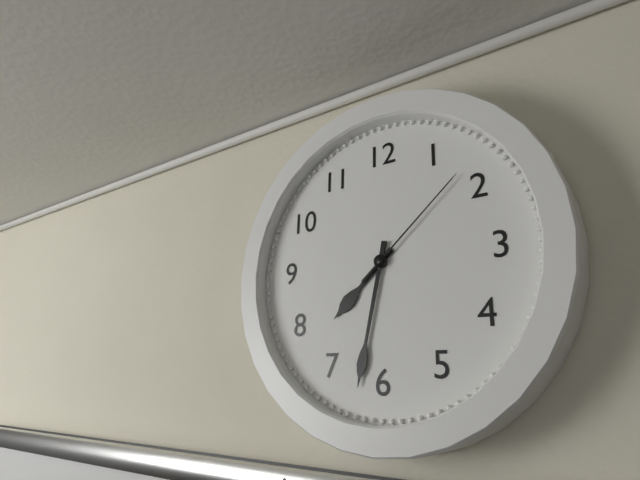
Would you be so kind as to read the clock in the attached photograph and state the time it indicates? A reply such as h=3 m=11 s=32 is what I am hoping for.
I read h=7 m=32 s=8
